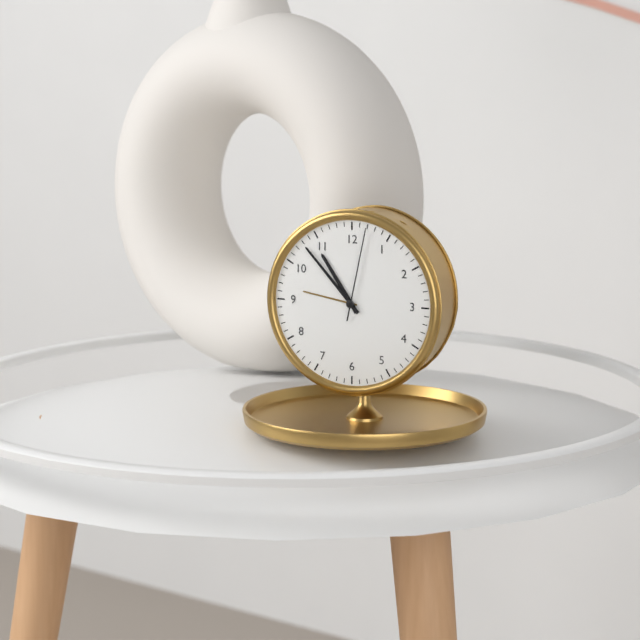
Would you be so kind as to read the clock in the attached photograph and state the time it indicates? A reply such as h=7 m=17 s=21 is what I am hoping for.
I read h=10 m=53 s=2
